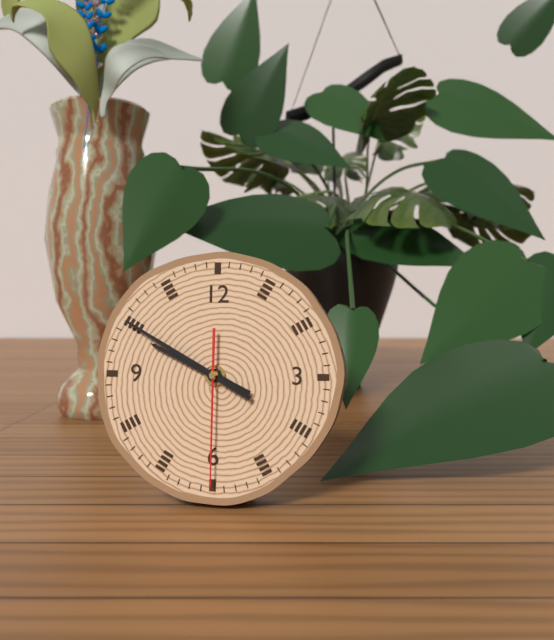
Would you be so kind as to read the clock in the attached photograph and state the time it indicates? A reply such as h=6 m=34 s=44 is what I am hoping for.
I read h=9 m=50 s=30
